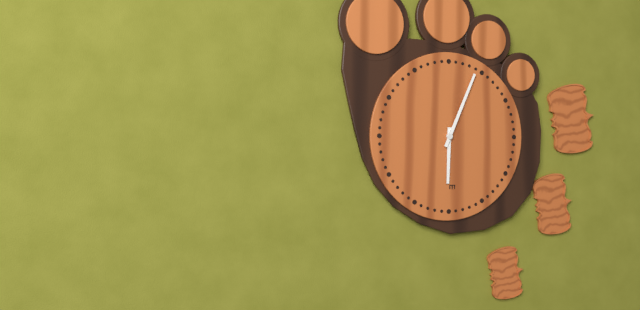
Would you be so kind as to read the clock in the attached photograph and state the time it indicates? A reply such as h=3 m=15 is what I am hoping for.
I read h=6 m=4
